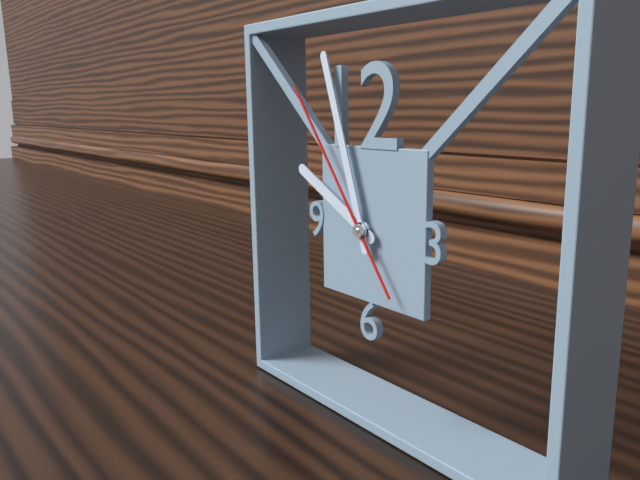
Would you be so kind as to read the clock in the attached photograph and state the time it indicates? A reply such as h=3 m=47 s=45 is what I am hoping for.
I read h=9 m=57 s=54
